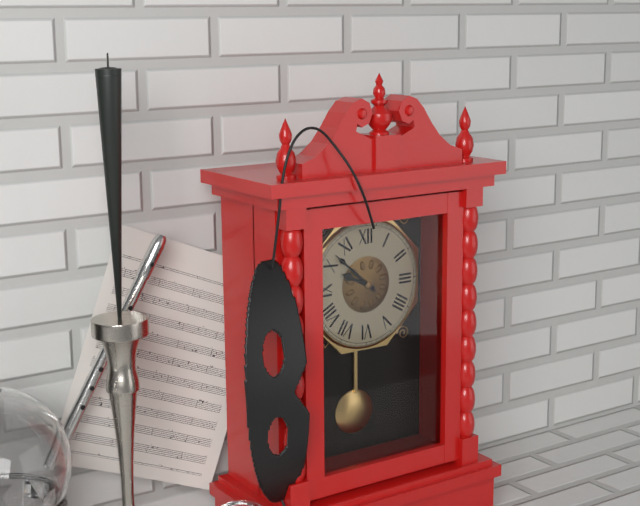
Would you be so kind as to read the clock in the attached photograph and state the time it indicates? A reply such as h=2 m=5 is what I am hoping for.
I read h=9 m=52
